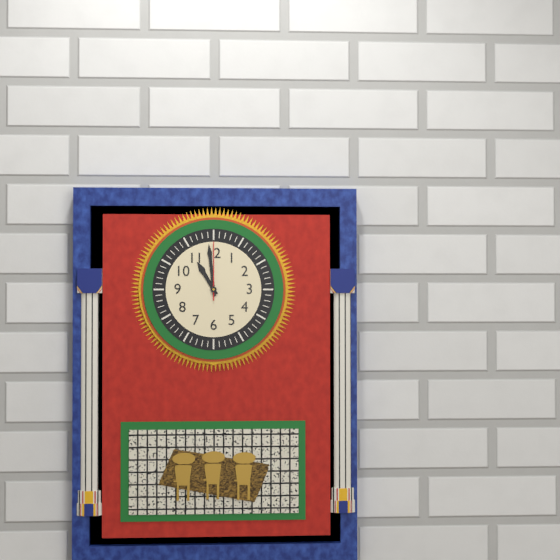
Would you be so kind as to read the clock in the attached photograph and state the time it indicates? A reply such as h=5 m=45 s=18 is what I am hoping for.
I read h=10 m=59 s=0
